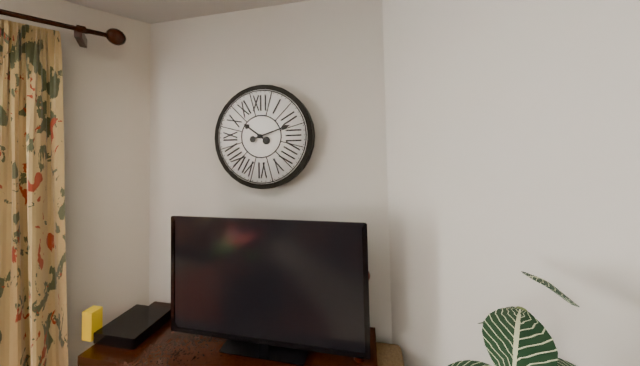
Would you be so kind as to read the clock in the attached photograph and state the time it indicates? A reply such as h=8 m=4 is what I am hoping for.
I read h=10 m=12
